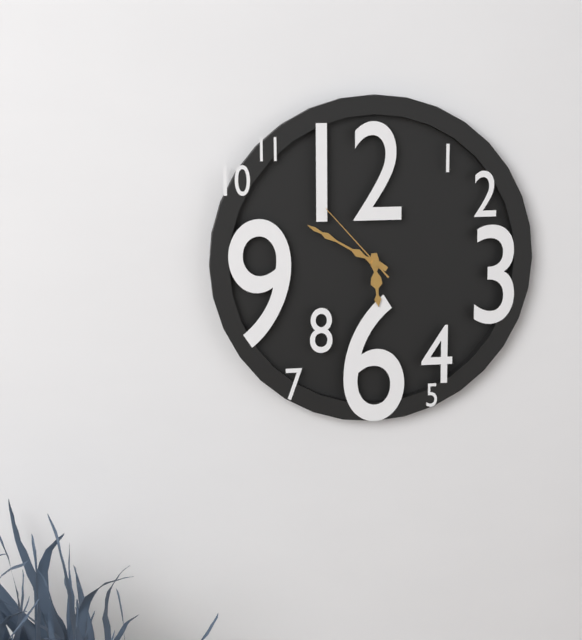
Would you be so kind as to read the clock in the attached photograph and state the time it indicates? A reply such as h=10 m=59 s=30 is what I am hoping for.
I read h=5 m=50 s=53
